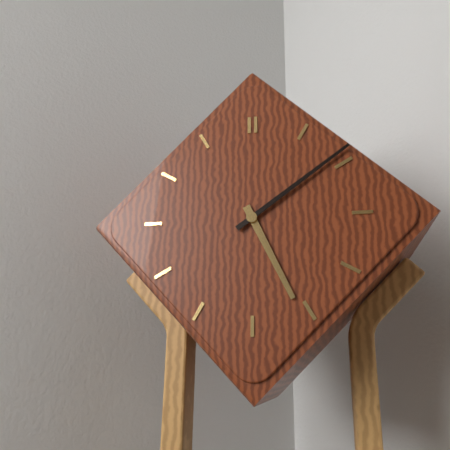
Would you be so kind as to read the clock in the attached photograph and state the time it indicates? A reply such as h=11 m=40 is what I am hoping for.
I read h=5 m=9
